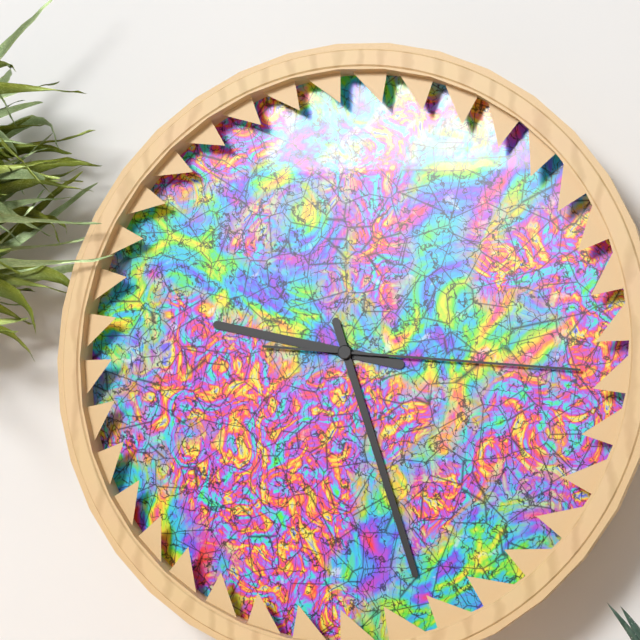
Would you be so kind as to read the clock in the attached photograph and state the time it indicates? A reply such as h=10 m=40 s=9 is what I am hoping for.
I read h=9 m=27 s=16
